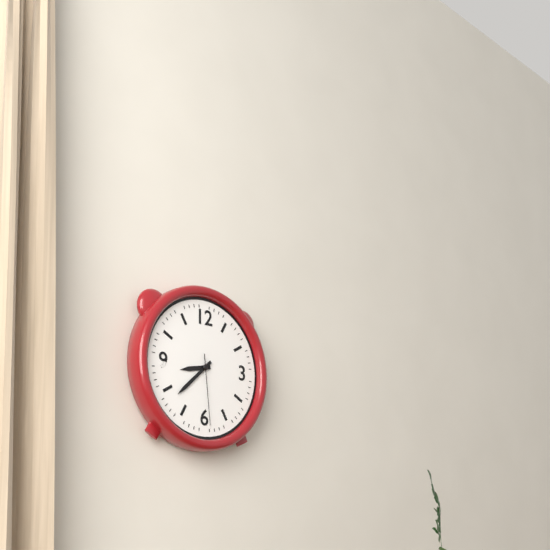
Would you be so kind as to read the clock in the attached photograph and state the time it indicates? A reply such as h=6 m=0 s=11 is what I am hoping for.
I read h=8 m=38 s=29
